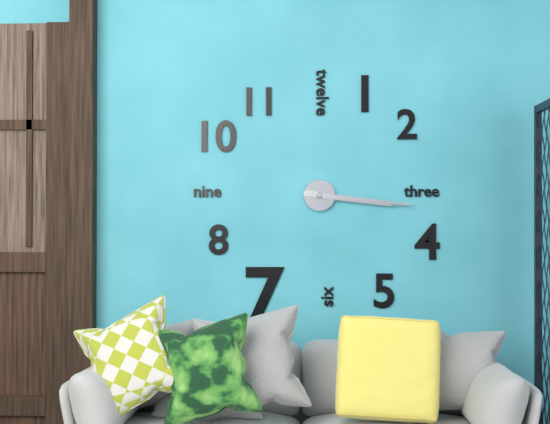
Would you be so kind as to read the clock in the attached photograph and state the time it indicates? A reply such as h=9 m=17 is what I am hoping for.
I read h=3 m=16
